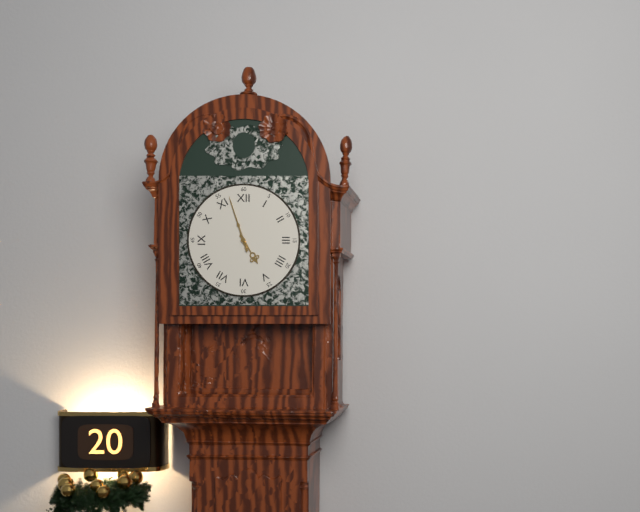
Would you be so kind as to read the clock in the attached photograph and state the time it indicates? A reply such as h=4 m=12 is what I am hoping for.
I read h=4 m=57
